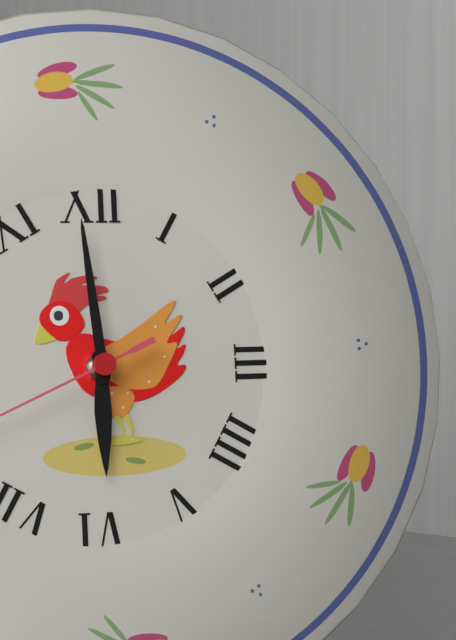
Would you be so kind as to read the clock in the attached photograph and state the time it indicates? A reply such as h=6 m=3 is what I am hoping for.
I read h=5 m=59
